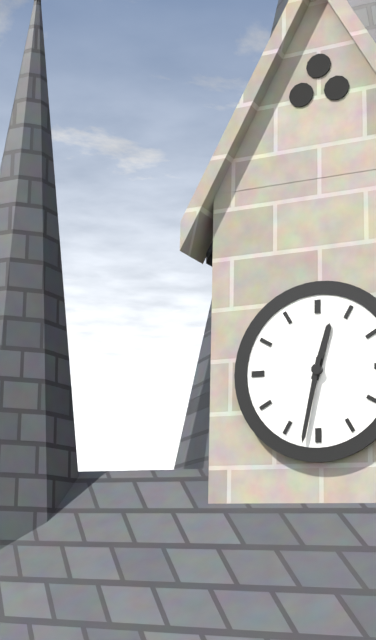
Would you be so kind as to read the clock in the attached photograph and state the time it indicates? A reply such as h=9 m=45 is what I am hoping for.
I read h=12 m=32
